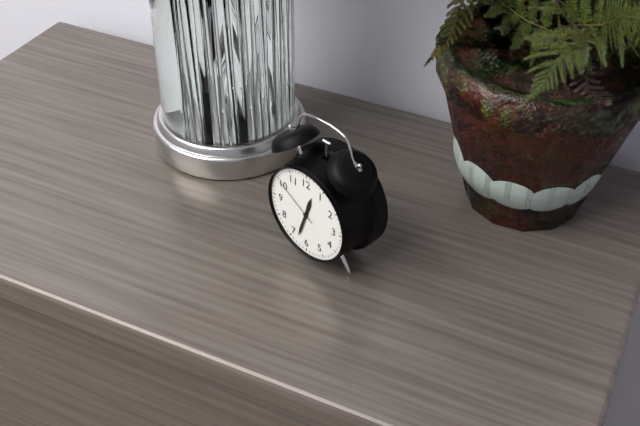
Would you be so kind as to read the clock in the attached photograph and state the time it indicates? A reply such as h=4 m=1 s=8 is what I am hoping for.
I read h=12 m=33 s=50
